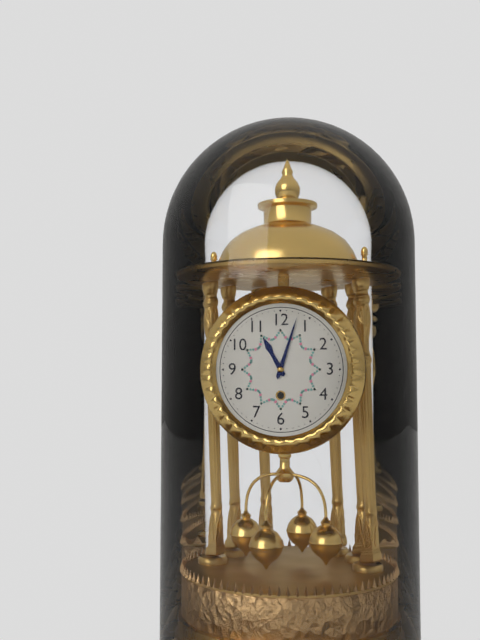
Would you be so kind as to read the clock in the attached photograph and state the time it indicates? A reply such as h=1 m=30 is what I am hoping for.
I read h=11 m=3
